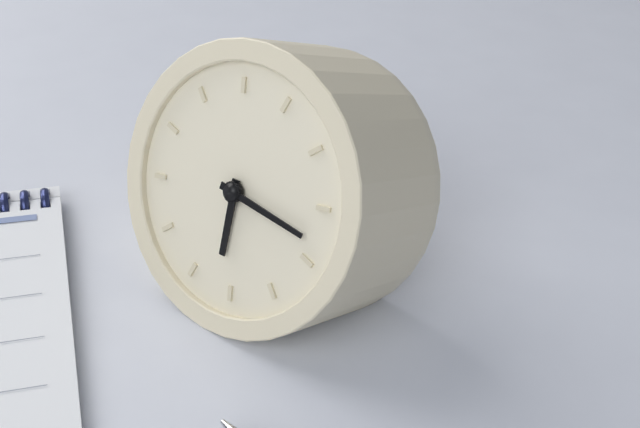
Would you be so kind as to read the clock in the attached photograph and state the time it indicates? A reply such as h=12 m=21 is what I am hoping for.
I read h=6 m=18
